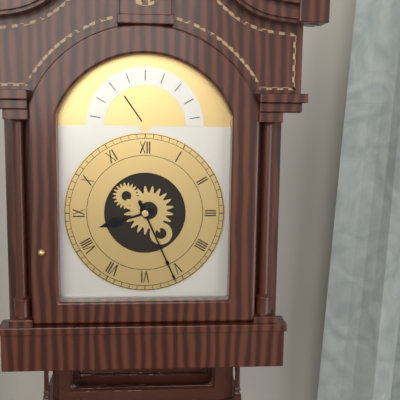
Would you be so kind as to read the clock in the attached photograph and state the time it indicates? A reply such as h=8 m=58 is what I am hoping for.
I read h=8 m=26
